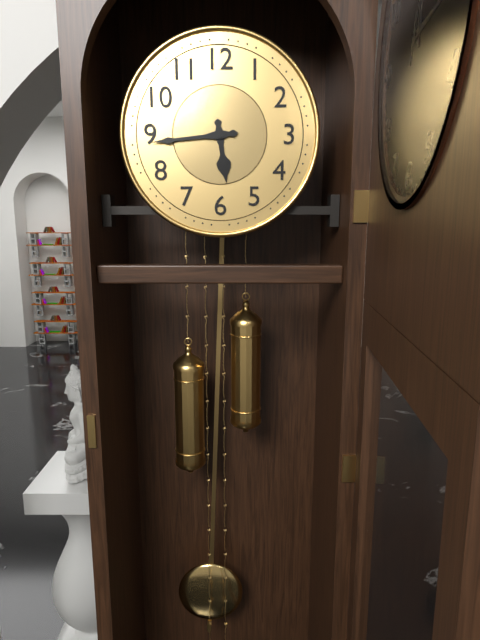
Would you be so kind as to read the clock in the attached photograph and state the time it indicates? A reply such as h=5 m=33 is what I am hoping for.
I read h=5 m=44
